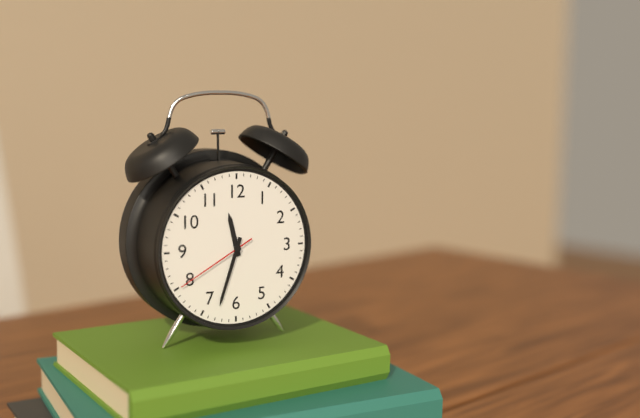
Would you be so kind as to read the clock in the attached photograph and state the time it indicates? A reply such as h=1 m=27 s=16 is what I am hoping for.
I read h=11 m=33 s=40
